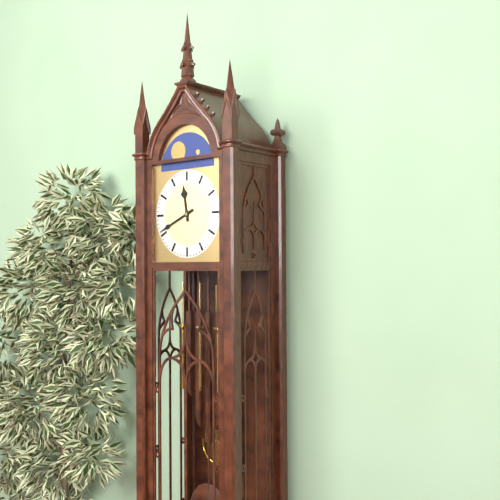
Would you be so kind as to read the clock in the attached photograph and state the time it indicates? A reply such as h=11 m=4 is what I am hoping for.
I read h=11 m=41
